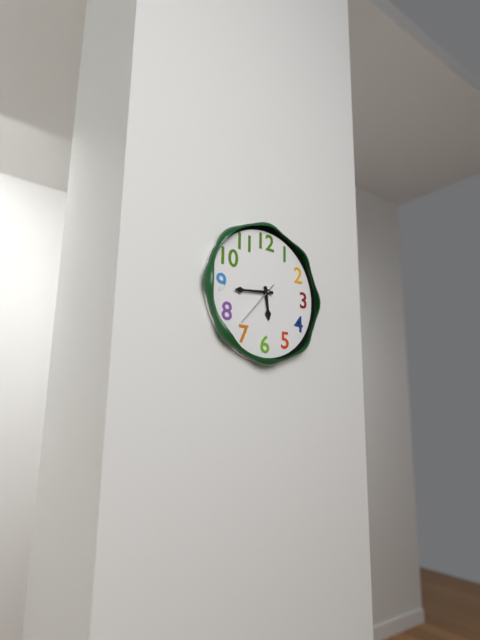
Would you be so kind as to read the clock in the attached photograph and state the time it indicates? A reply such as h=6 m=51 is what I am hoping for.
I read h=5 m=44
